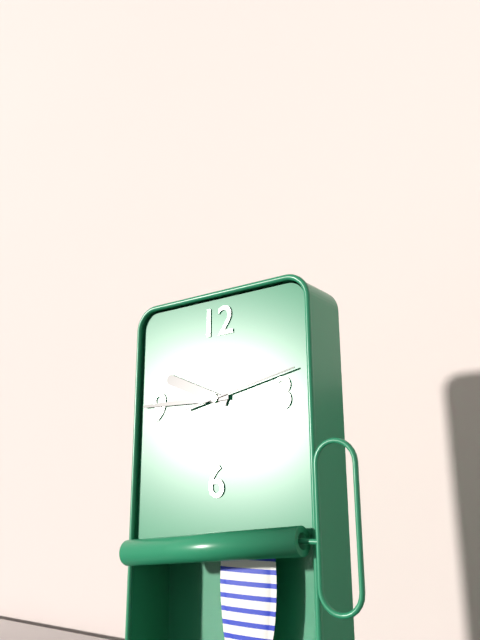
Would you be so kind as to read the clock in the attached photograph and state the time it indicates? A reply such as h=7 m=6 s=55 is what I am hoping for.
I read h=9 m=45 s=13
